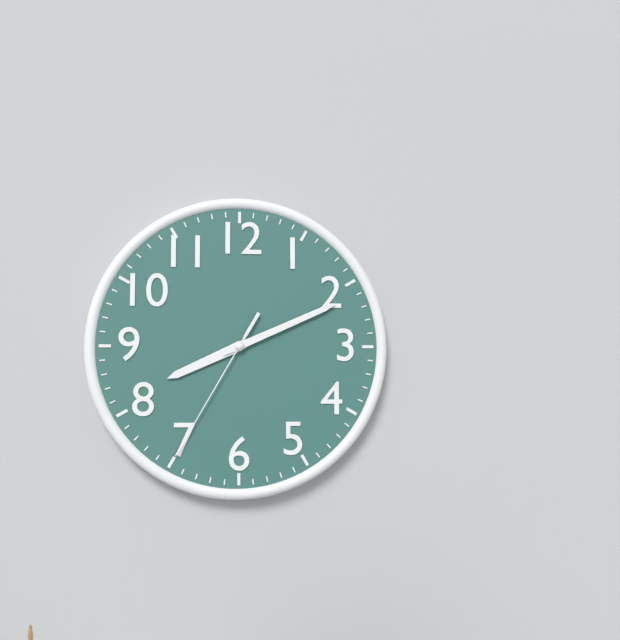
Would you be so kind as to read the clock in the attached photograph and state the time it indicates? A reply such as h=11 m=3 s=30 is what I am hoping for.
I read h=8 m=11 s=35
